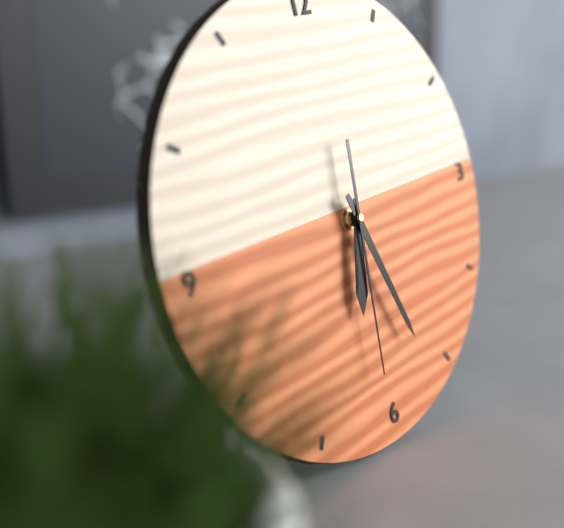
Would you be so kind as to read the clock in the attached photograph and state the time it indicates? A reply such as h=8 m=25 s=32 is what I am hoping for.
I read h=6 m=27 s=31
